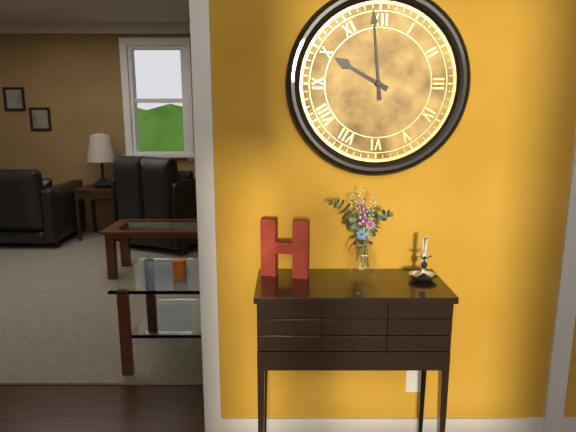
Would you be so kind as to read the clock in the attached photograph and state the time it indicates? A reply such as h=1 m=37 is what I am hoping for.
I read h=9 m=59
